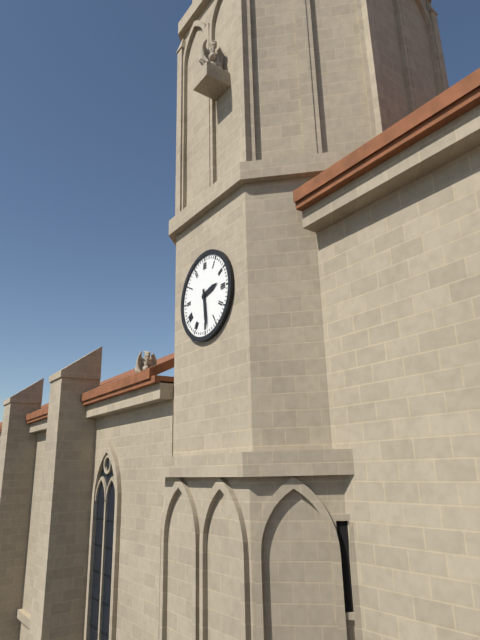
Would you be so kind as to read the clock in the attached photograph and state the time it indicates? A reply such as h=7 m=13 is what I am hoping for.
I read h=2 m=29
